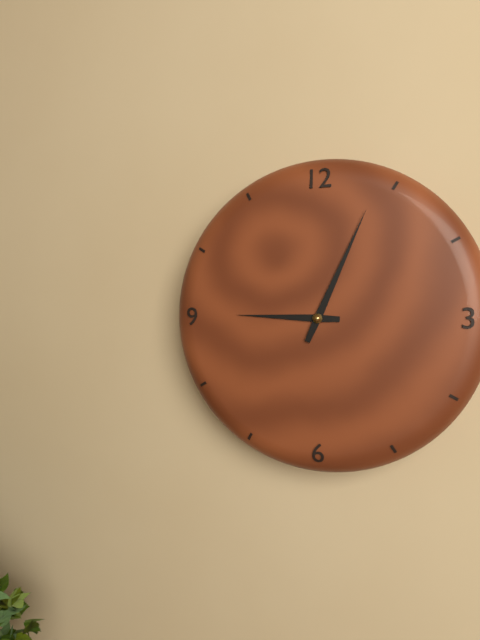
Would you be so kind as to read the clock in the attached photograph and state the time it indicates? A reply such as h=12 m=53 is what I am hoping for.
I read h=9 m=4
